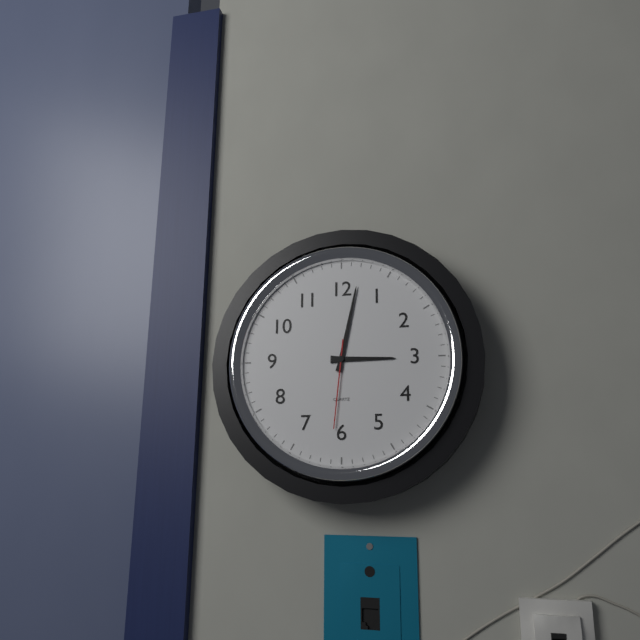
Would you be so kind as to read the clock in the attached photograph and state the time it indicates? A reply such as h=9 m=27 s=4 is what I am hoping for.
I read h=3 m=2 s=31
